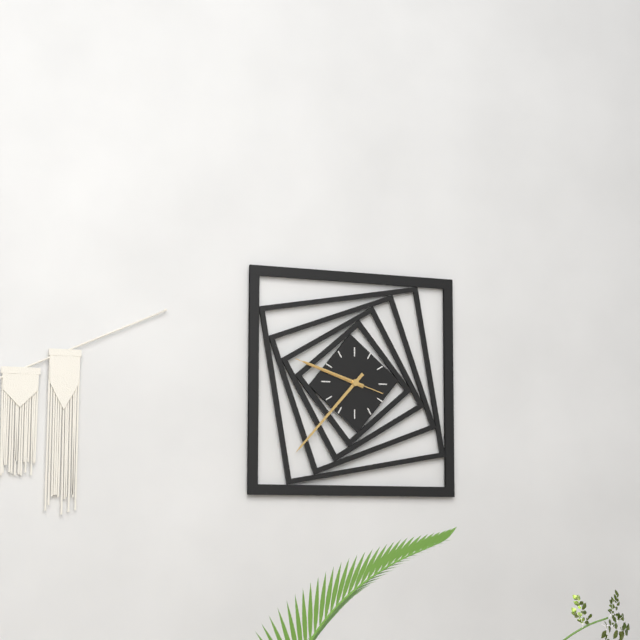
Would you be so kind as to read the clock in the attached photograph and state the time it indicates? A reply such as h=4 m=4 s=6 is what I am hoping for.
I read h=9 m=37 s=48
